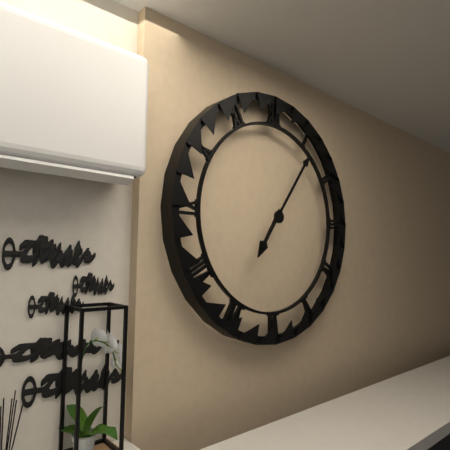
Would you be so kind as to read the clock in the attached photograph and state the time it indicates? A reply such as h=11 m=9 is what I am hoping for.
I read h=7 m=6
